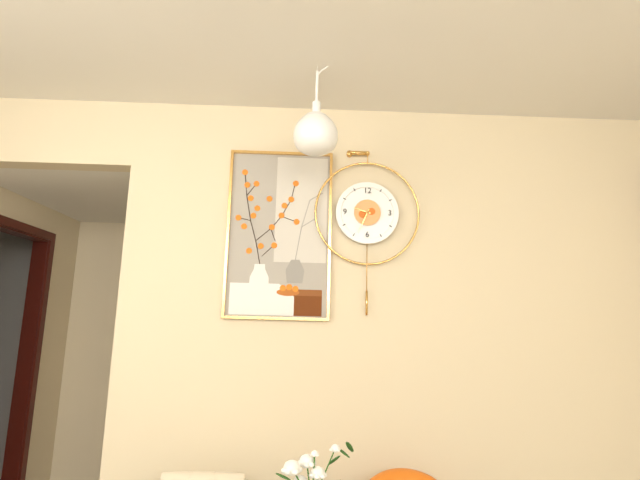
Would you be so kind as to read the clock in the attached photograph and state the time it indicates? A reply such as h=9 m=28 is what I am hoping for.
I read h=9 m=34
